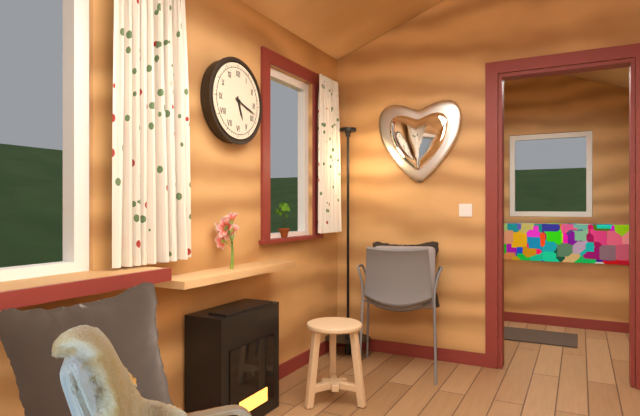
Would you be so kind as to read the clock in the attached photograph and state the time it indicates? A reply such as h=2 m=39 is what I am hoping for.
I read h=5 m=18
